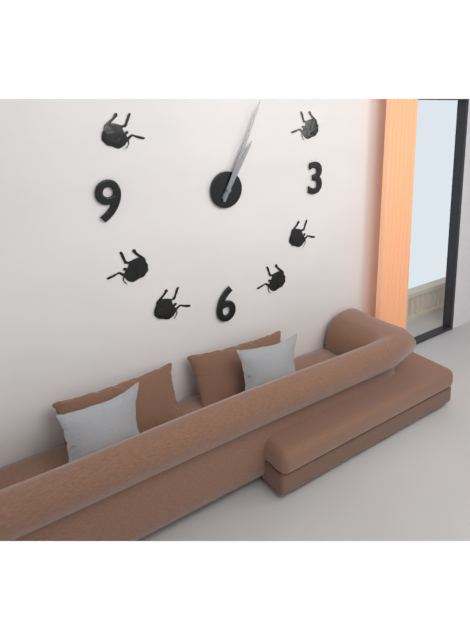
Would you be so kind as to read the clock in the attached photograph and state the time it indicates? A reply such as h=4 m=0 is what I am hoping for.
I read h=1 m=4
